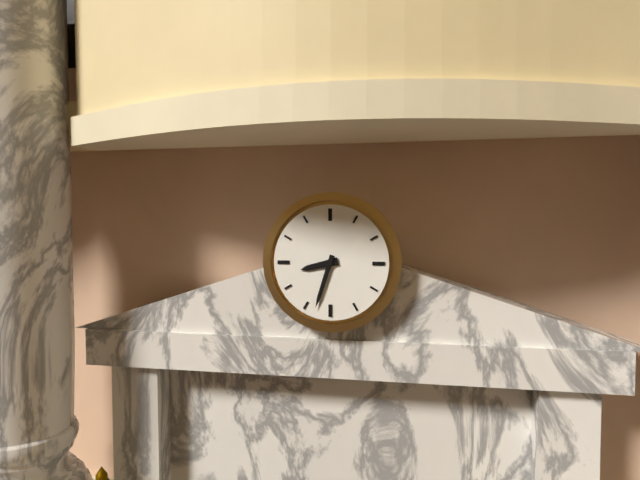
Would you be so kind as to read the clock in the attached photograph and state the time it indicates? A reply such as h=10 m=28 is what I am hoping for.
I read h=8 m=33
